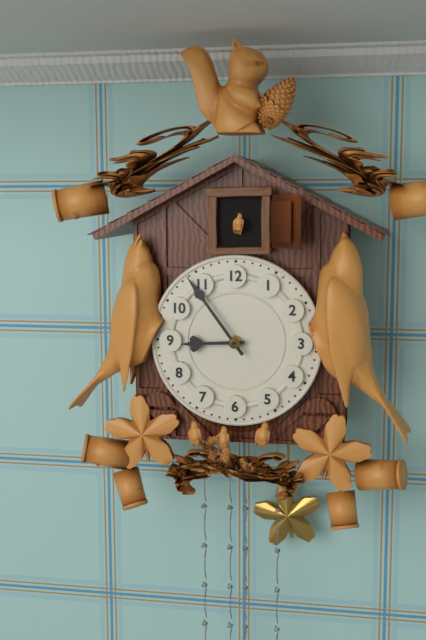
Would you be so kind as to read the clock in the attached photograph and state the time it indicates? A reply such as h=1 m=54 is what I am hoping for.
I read h=8 m=54
